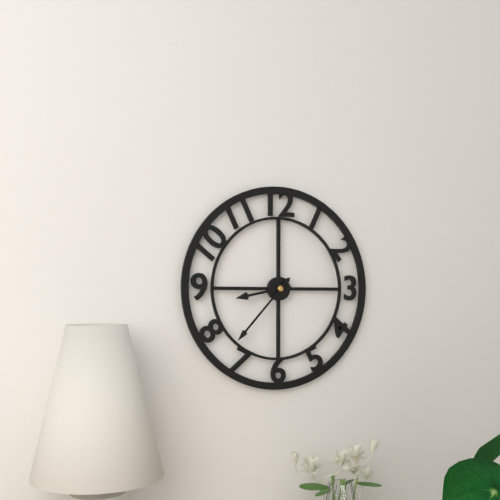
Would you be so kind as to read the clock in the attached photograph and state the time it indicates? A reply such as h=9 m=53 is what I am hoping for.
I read h=8 m=37
